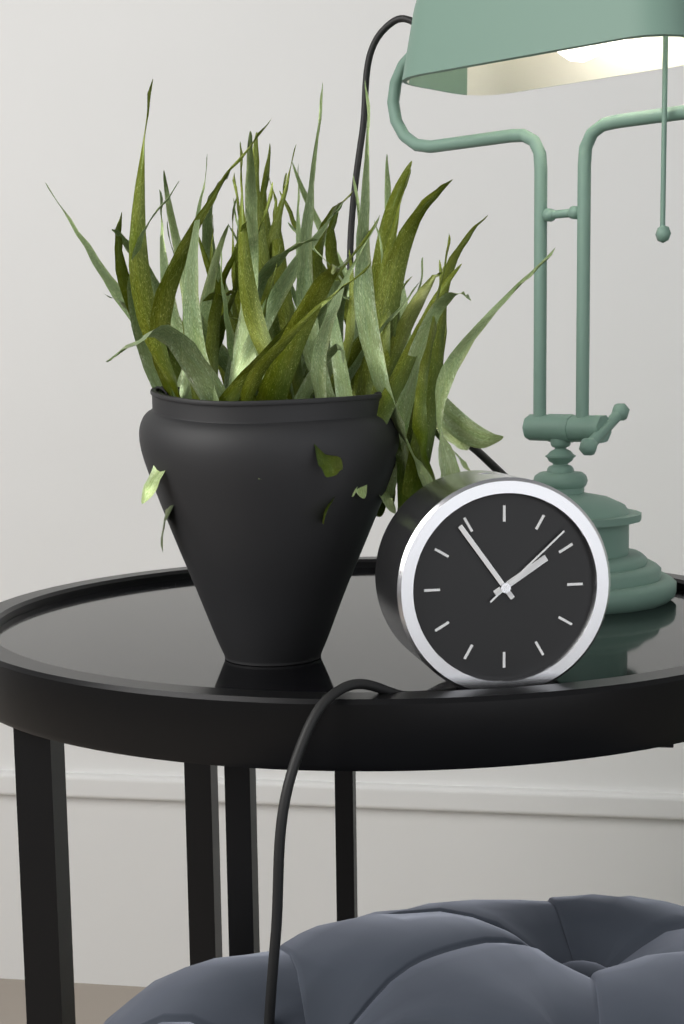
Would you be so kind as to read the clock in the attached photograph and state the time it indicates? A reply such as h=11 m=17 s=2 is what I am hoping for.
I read h=1 m=54 s=8
